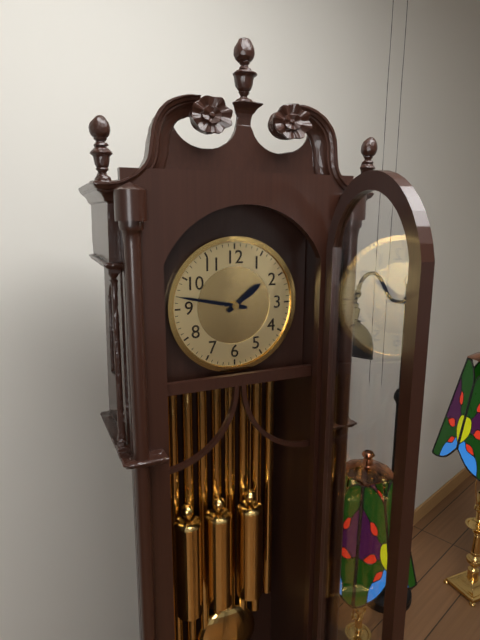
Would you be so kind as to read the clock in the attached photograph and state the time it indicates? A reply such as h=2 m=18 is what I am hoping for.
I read h=1 m=47
